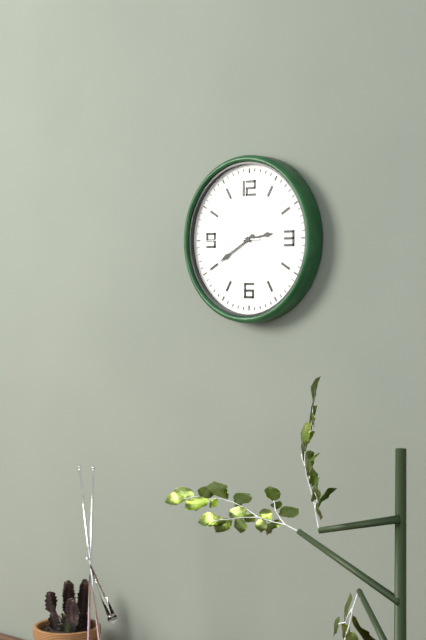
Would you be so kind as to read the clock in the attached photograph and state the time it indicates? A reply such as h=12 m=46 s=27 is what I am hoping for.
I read h=2 m=40 s=45
